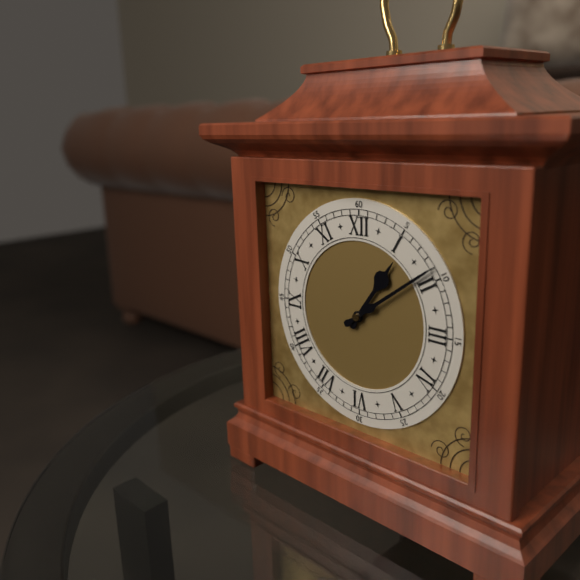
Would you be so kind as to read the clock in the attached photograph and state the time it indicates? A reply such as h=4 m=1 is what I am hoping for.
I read h=1 m=9
